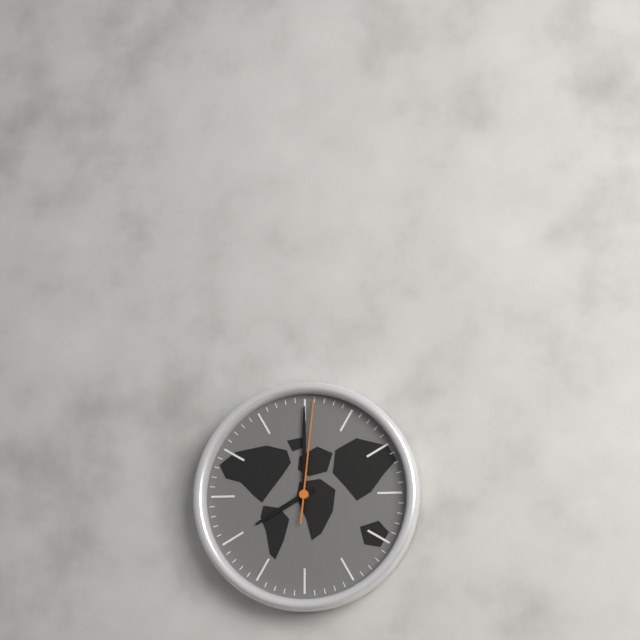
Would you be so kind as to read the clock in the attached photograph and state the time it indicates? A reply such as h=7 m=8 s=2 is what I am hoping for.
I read h=8 m=0 s=1
